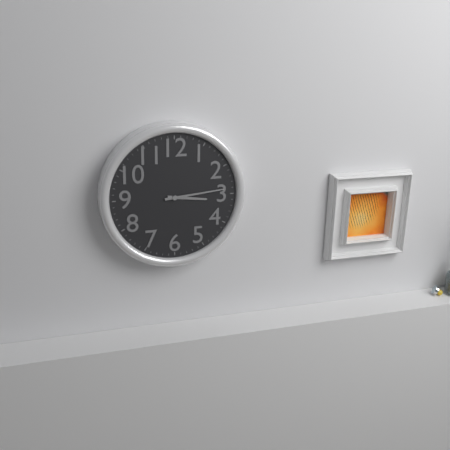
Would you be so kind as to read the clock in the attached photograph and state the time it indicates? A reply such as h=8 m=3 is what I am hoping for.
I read h=3 m=14
